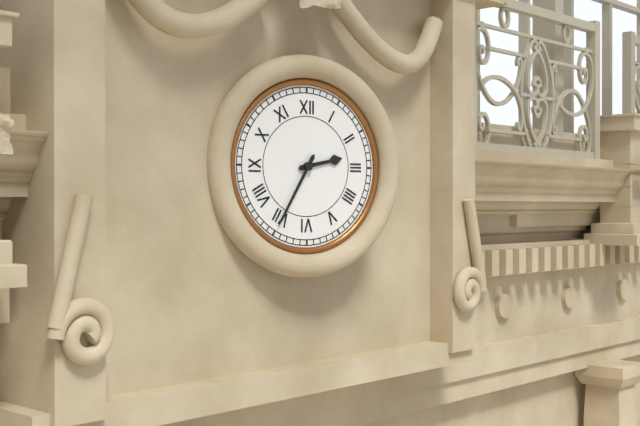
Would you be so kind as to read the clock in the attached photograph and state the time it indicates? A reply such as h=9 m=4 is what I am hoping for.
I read h=2 m=35
